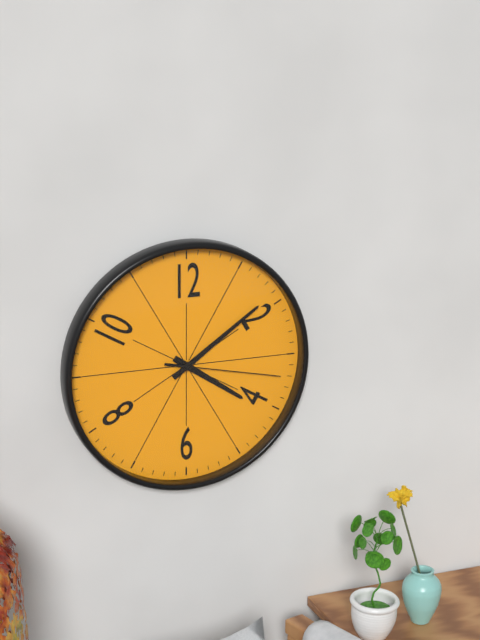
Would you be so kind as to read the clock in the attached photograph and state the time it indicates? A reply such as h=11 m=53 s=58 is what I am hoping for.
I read h=4 m=9 s=17
